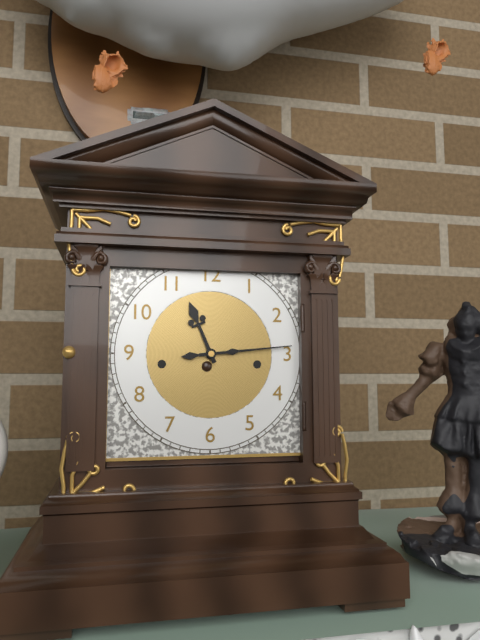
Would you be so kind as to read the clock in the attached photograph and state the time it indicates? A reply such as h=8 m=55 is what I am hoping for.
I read h=11 m=14
